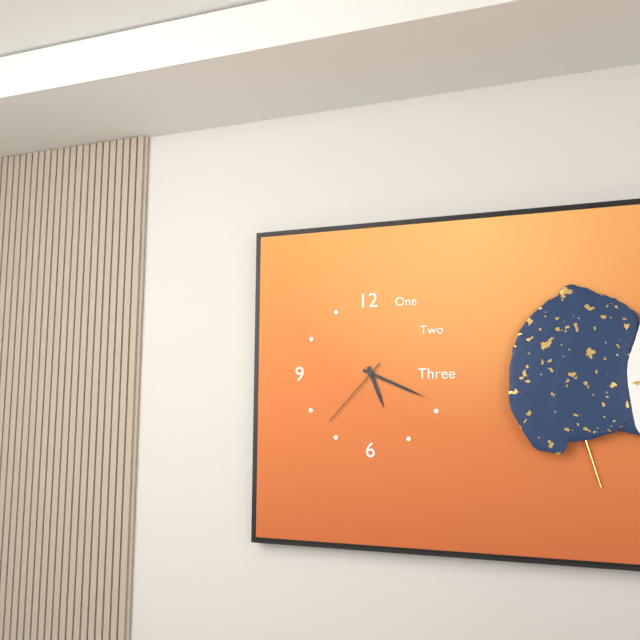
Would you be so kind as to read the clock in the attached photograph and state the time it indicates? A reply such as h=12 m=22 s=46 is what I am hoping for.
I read h=5 m=19 s=37
